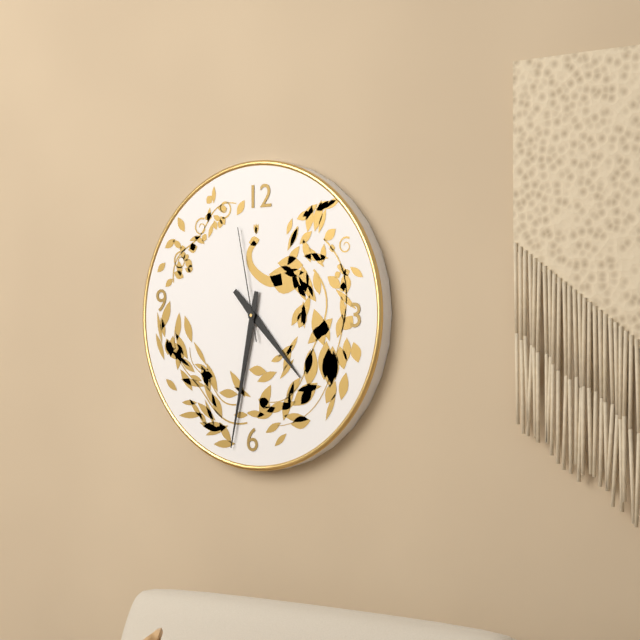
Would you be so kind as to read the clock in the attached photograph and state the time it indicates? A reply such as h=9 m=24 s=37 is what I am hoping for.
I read h=4 m=32 s=58
